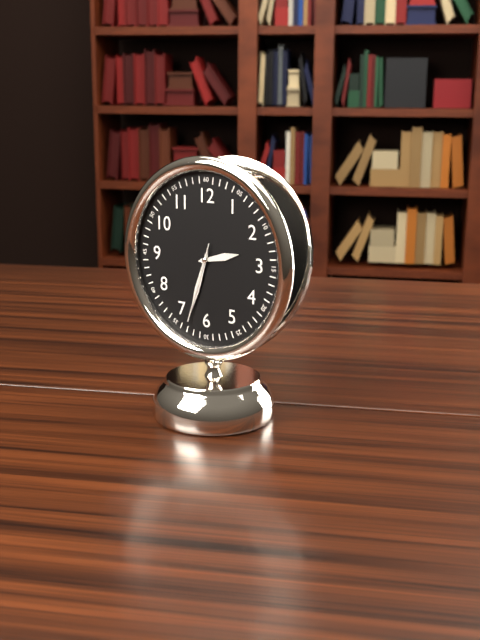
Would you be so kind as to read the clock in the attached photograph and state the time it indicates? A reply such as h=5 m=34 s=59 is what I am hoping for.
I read h=2 m=33 s=33
